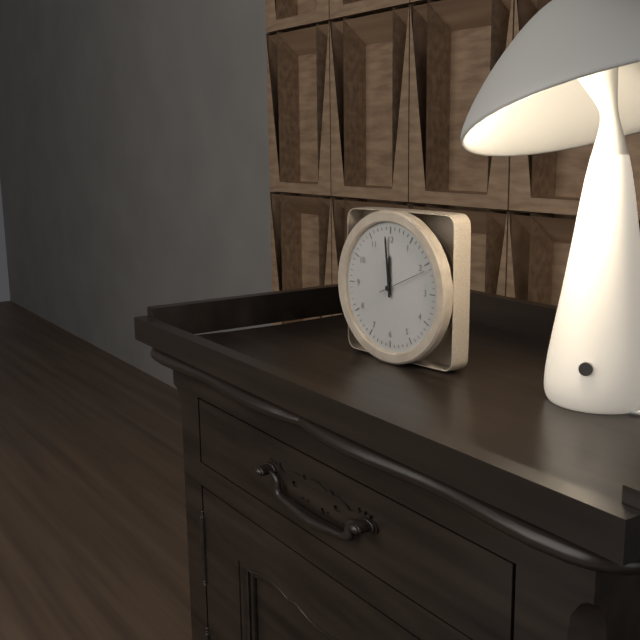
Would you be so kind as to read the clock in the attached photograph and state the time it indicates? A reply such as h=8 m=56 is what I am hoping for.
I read h=11 m=59
